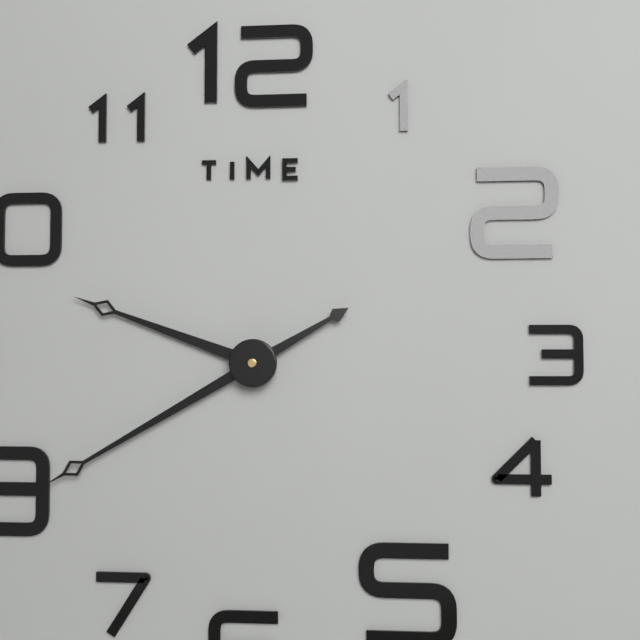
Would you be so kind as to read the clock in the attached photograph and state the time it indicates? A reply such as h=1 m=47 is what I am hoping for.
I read h=9 m=40
